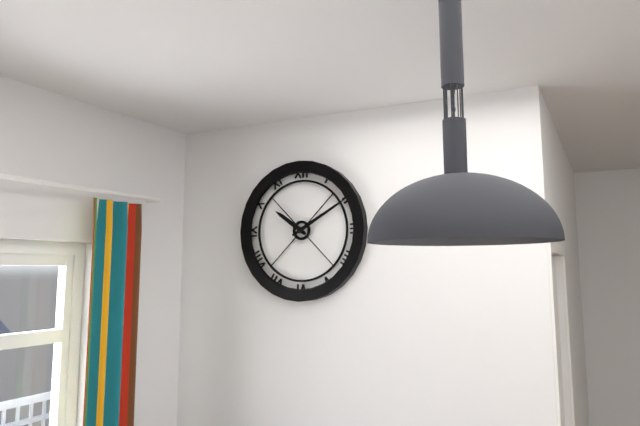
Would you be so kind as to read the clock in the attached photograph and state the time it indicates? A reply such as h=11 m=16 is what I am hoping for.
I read h=10 m=10
